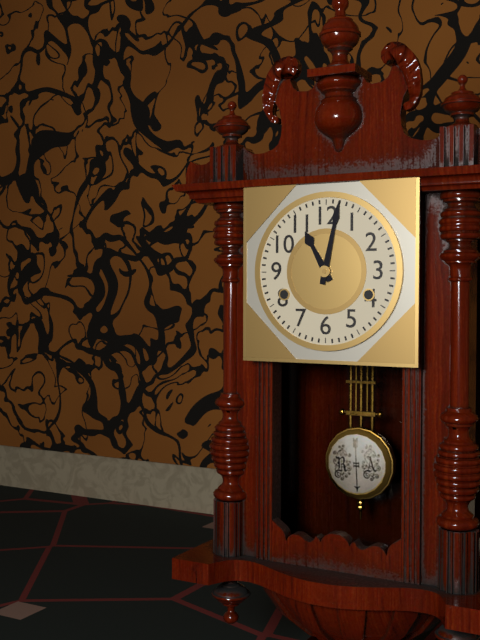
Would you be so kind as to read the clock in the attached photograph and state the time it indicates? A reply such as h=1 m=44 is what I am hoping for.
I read h=11 m=2
